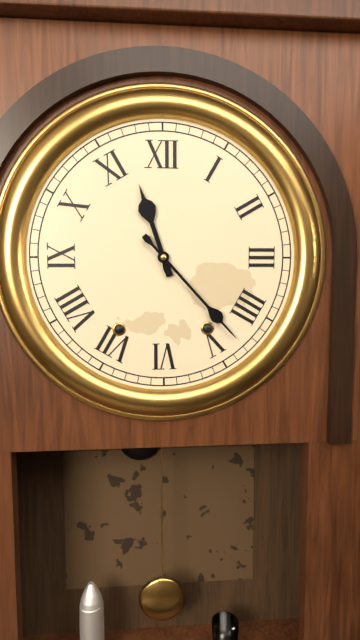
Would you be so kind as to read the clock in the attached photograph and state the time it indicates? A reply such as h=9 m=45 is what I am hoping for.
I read h=11 m=23
